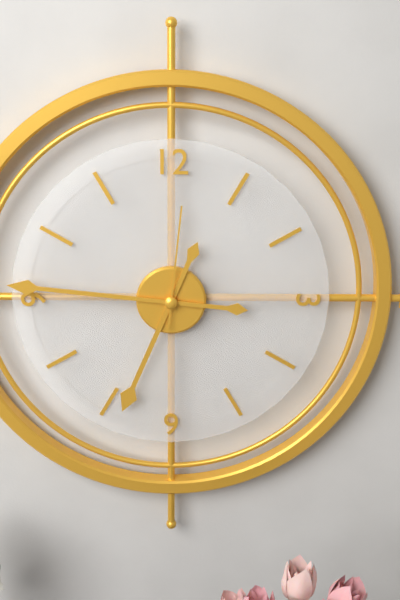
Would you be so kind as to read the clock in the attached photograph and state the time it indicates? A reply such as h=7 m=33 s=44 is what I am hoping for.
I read h=6 m=46 s=1
